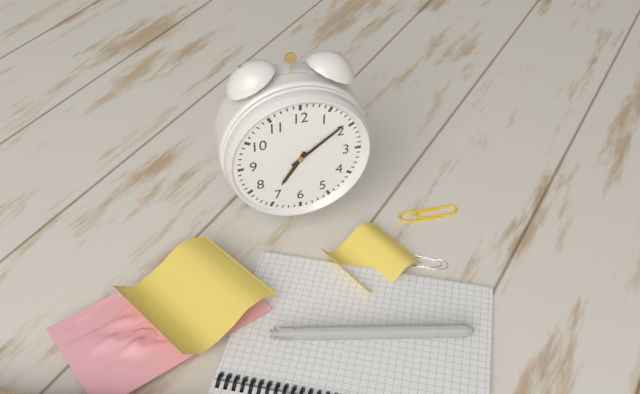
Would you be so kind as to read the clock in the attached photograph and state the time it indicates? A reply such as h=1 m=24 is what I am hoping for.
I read h=7 m=9
